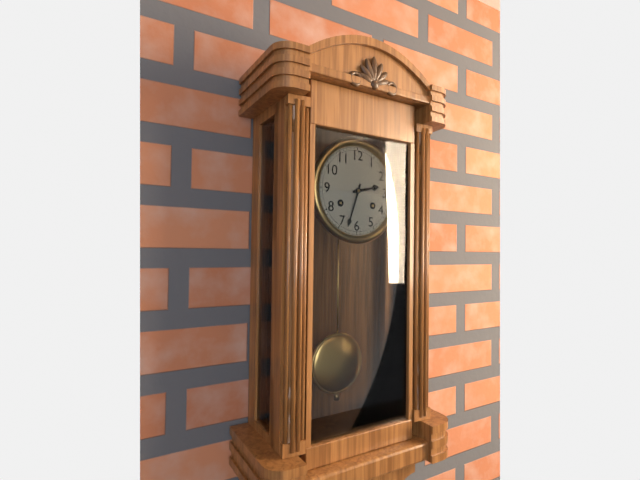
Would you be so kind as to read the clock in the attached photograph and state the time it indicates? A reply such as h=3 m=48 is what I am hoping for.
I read h=2 m=33
